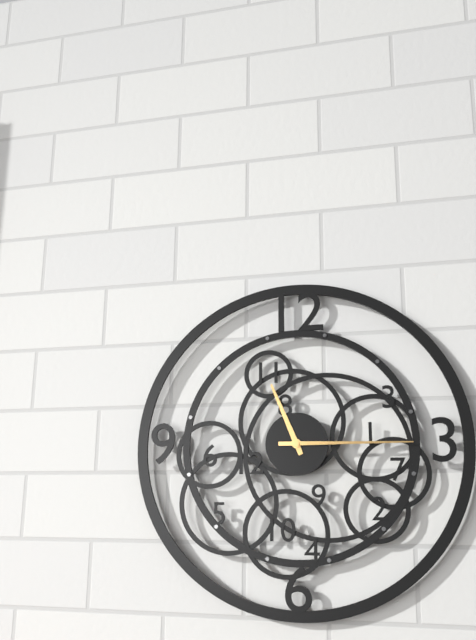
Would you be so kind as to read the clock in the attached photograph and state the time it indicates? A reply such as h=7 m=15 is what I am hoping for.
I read h=11 m=15
